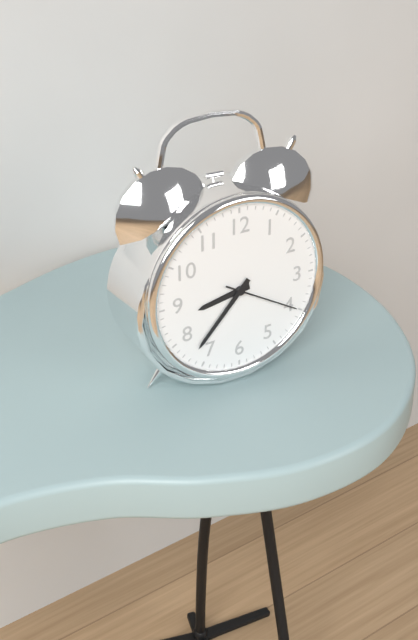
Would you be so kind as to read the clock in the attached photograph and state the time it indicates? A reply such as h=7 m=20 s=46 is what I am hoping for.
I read h=8 m=37 s=20
